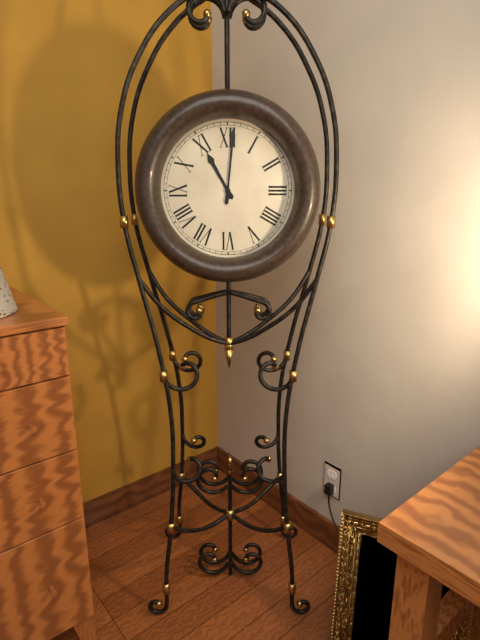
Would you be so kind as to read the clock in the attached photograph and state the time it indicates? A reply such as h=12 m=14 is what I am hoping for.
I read h=11 m=1
